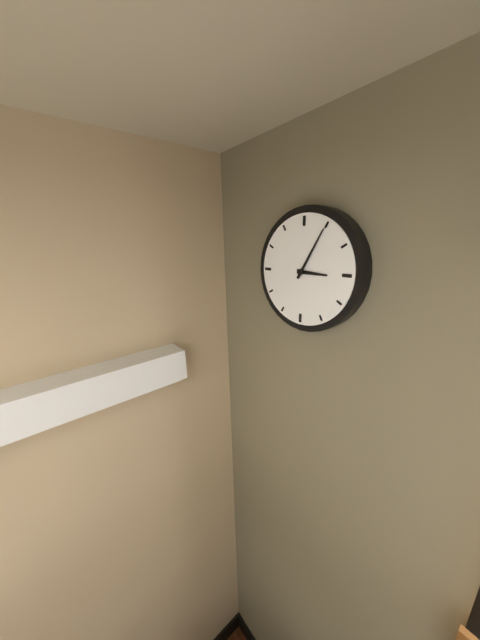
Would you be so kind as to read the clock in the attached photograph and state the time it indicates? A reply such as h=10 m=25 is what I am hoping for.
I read h=3 m=5
